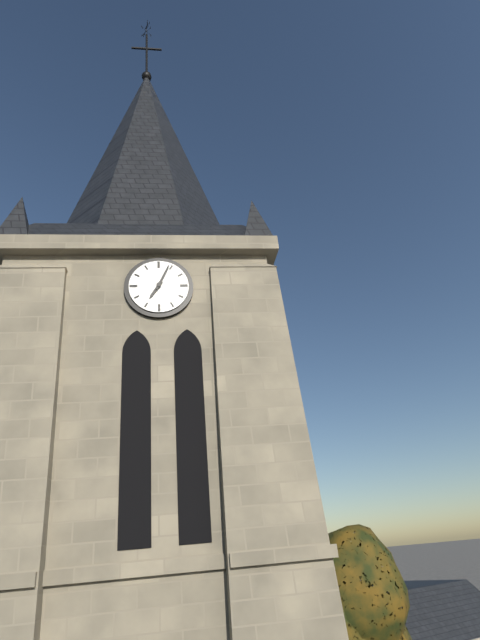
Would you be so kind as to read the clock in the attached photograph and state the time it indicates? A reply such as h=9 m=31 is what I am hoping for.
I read h=7 m=4
